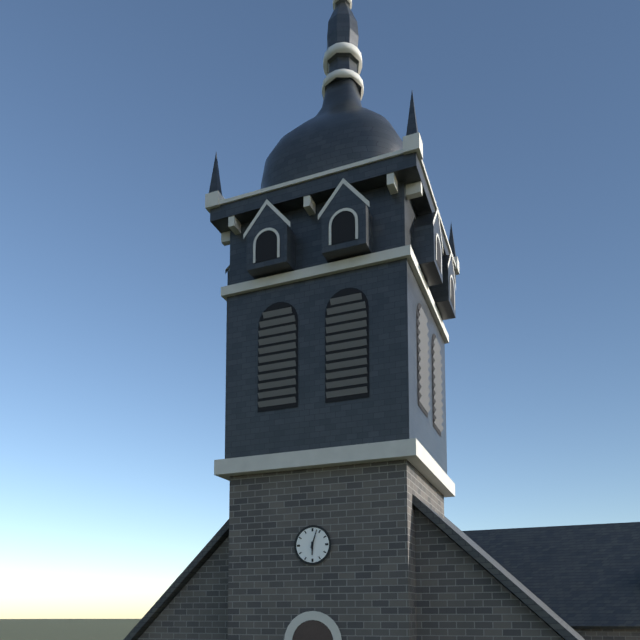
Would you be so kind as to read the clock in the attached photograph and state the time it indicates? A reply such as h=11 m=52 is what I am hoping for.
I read h=6 m=3
